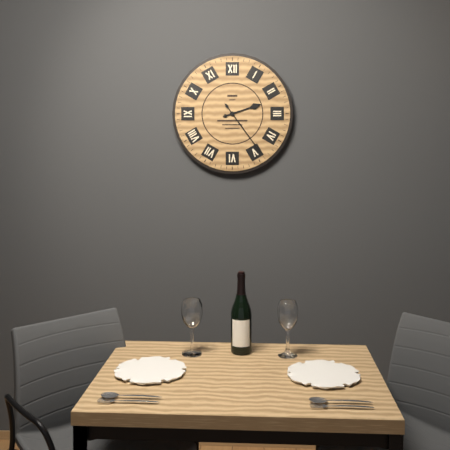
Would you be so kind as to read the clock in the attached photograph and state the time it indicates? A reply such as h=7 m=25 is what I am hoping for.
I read h=2 m=24
